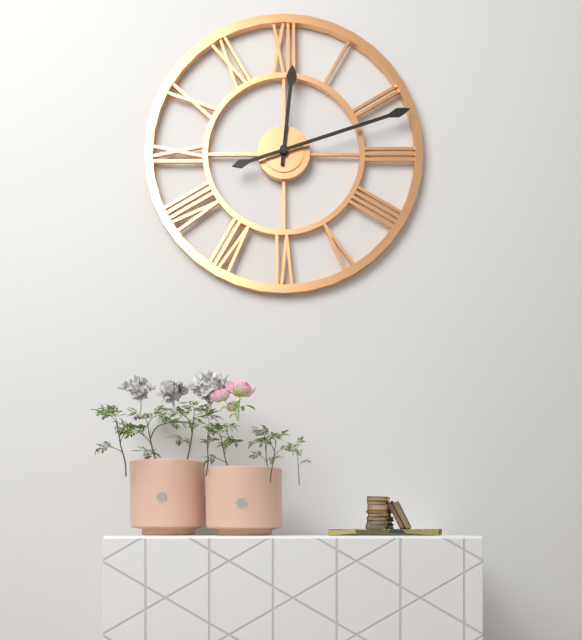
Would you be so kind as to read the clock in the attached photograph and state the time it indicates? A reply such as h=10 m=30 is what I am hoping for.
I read h=12 m=12
